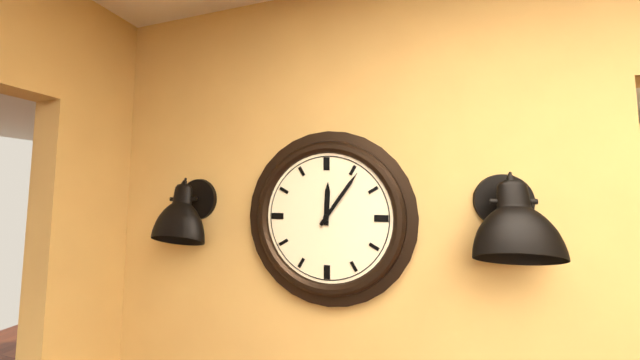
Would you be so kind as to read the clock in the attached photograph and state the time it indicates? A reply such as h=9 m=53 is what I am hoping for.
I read h=12 m=6
